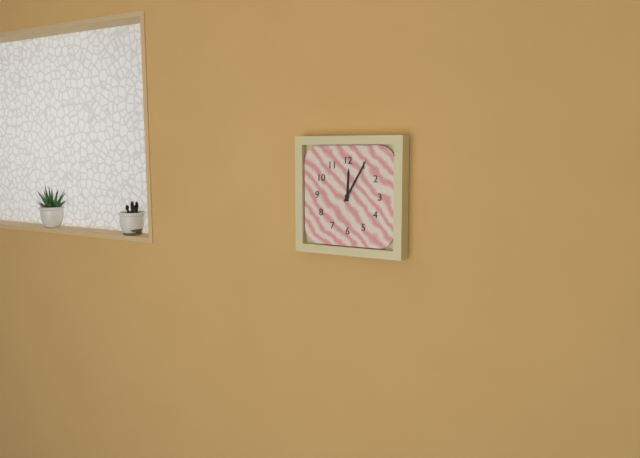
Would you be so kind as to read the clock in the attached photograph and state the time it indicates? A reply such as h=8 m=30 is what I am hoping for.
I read h=12 m=5
